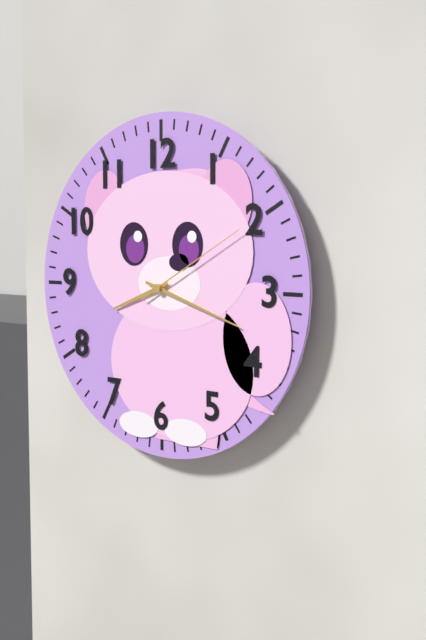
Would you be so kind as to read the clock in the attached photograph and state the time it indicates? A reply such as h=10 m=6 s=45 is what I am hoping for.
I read h=8 m=18 s=10
